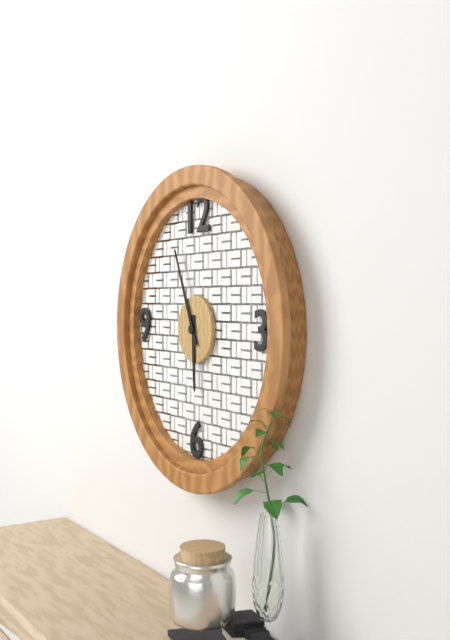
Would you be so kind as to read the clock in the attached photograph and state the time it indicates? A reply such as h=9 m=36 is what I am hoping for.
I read h=5 m=56
